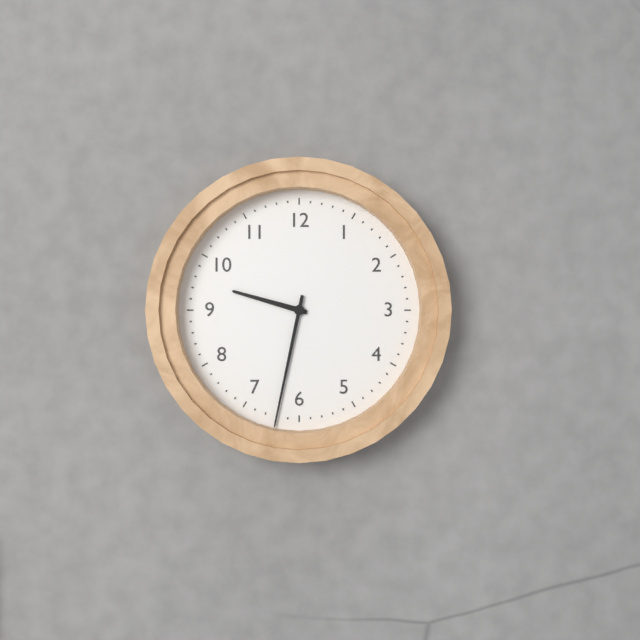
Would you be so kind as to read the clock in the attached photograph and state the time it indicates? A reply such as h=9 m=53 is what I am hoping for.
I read h=9 m=32
